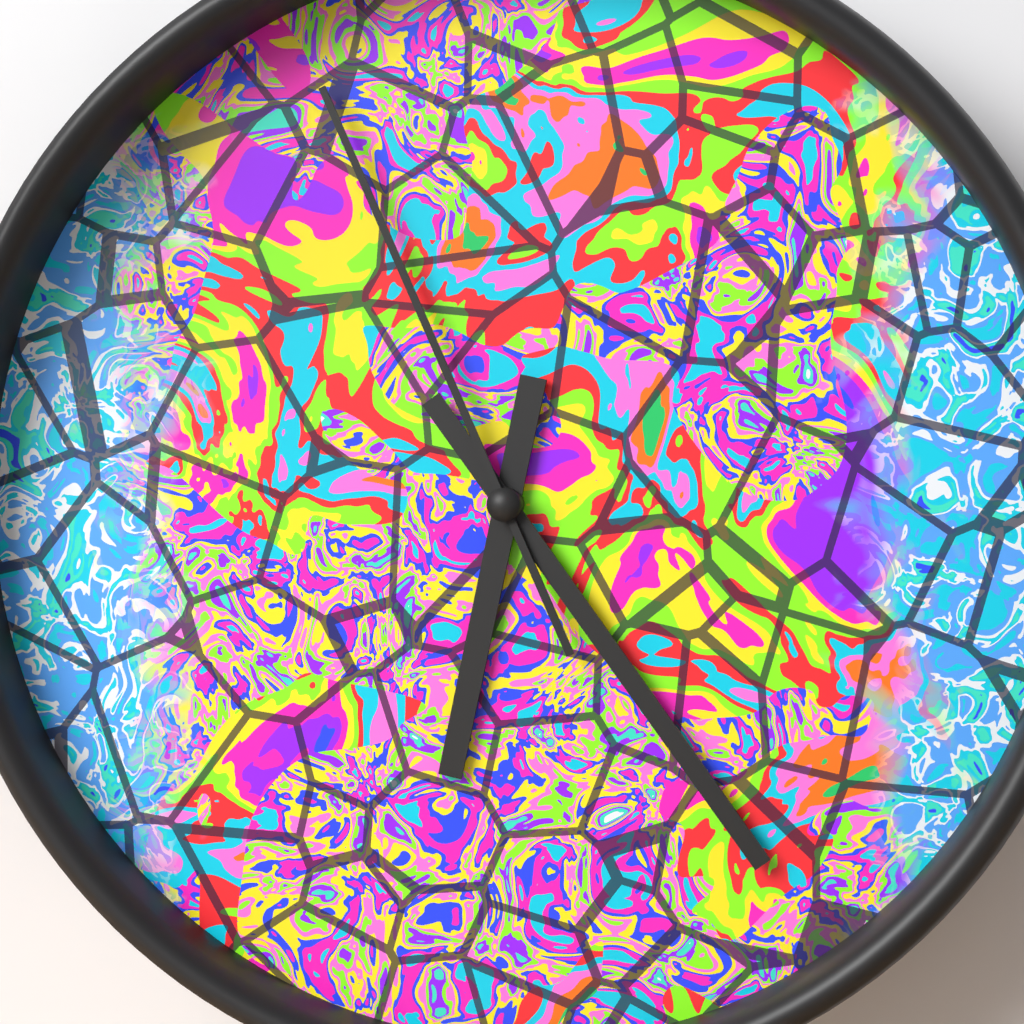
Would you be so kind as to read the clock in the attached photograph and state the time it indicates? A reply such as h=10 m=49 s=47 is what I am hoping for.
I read h=6 m=24 s=56
